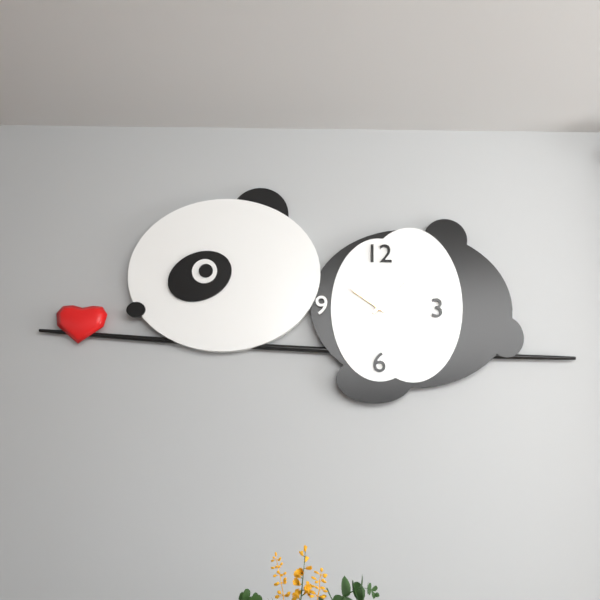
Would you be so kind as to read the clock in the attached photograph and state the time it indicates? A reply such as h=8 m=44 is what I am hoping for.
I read h=10 m=7
